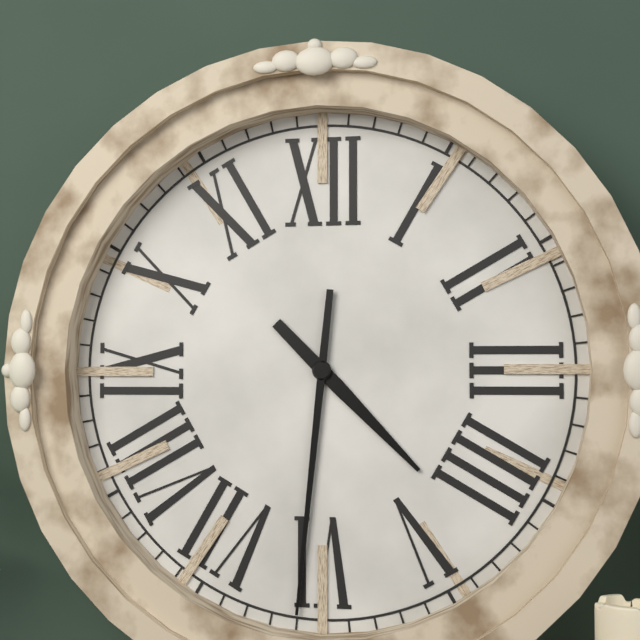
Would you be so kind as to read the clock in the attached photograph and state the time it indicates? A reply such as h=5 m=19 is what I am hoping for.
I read h=4 m=31
